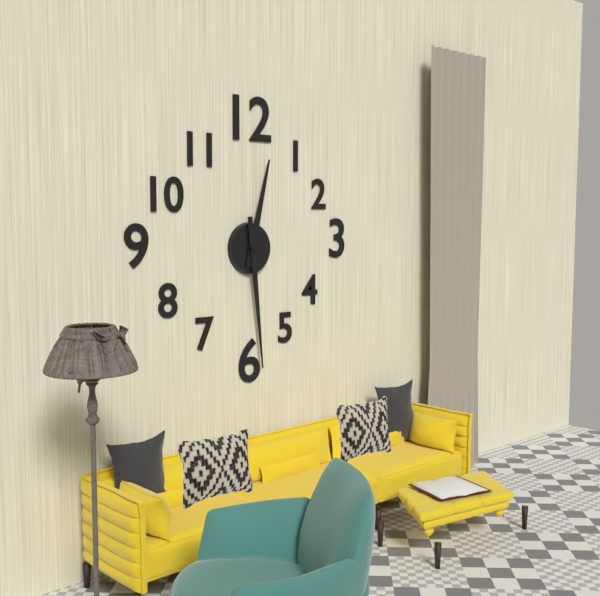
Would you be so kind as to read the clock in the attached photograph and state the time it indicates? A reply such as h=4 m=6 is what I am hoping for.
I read h=12 m=29
